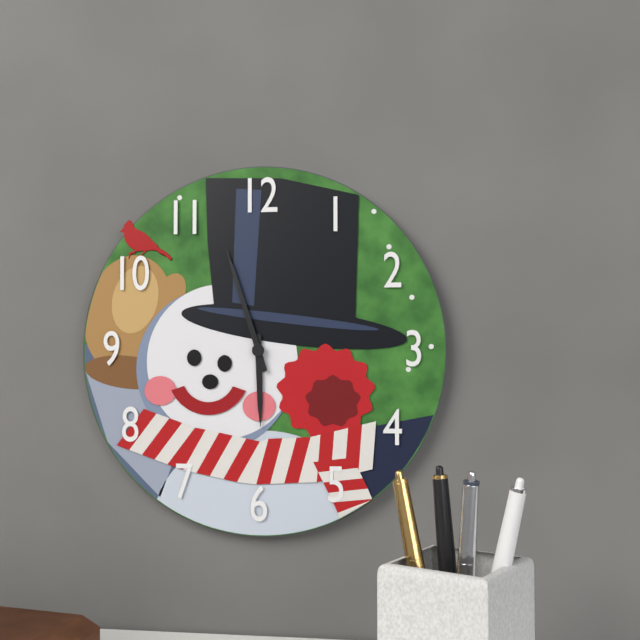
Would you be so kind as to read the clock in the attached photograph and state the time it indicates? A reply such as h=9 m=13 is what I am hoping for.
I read h=5 m=57
